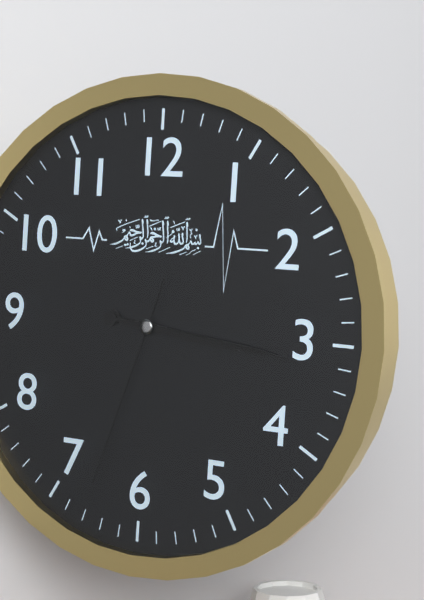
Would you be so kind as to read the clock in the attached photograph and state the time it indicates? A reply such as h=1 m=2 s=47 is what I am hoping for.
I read h=3 m=16 s=33
